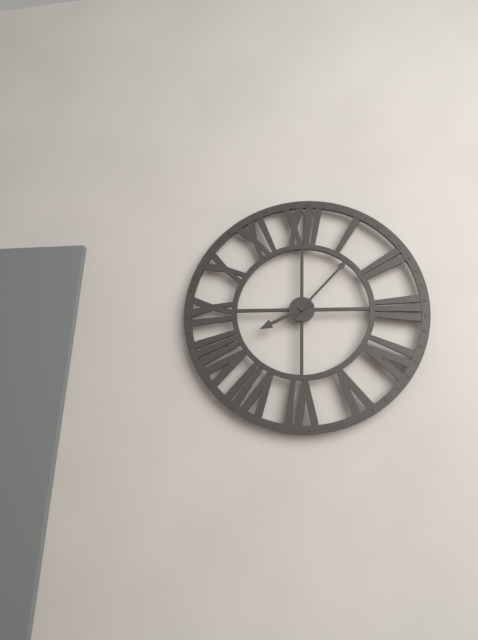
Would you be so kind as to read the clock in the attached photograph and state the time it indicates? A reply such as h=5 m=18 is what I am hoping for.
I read h=8 m=7
